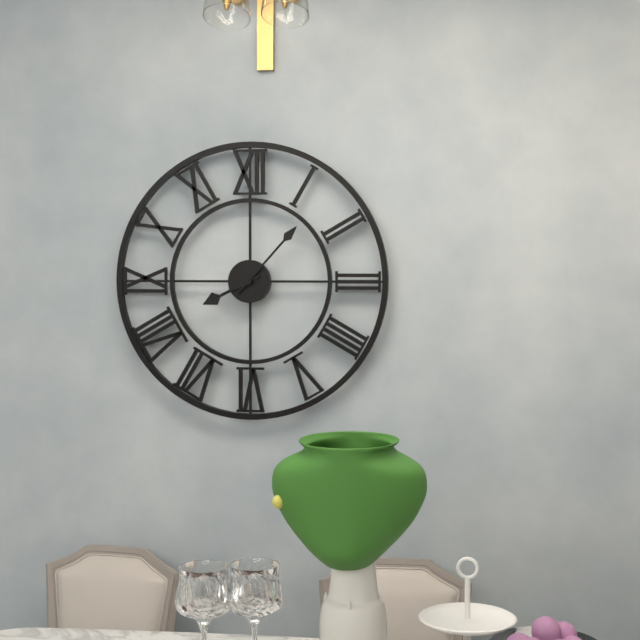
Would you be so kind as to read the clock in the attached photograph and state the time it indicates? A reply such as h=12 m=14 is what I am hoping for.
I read h=8 m=7
